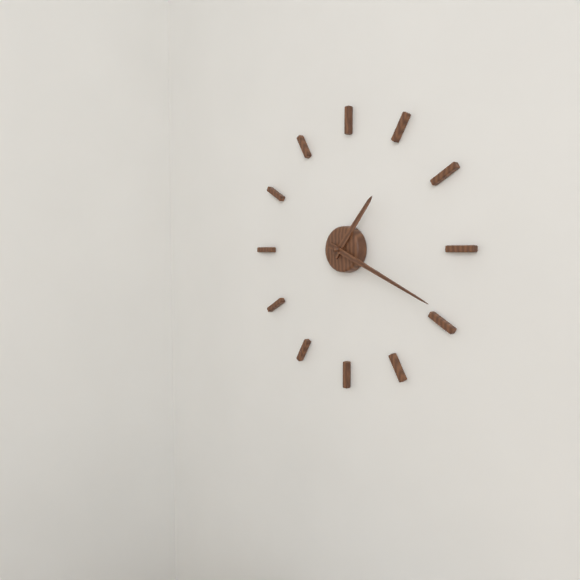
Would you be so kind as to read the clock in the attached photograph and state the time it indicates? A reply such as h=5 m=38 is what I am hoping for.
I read h=1 m=19
